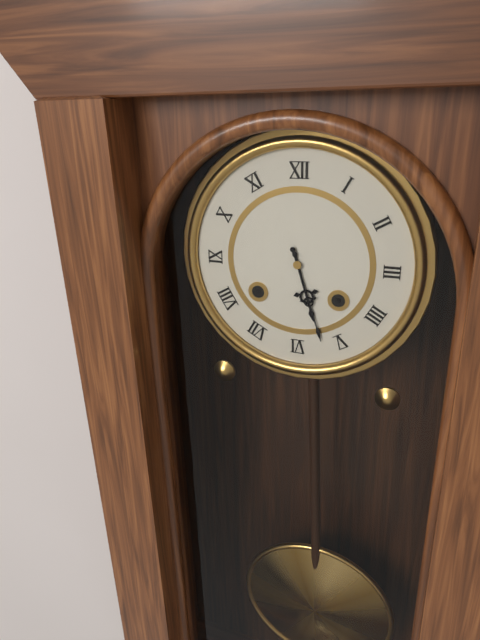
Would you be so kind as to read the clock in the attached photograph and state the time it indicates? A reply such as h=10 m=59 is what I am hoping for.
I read h=5 m=27
